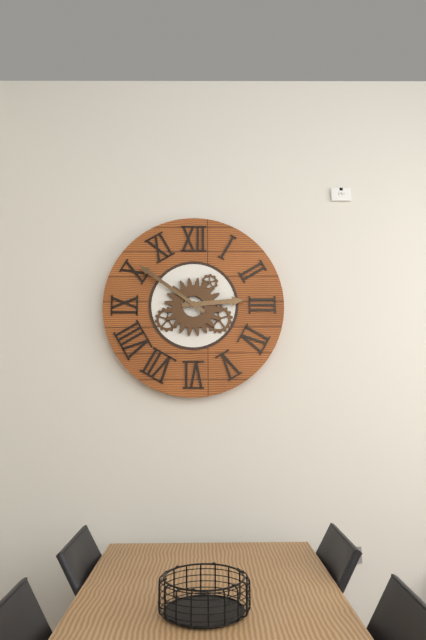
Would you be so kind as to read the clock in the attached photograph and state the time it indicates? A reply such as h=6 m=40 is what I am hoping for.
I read h=2 m=51
